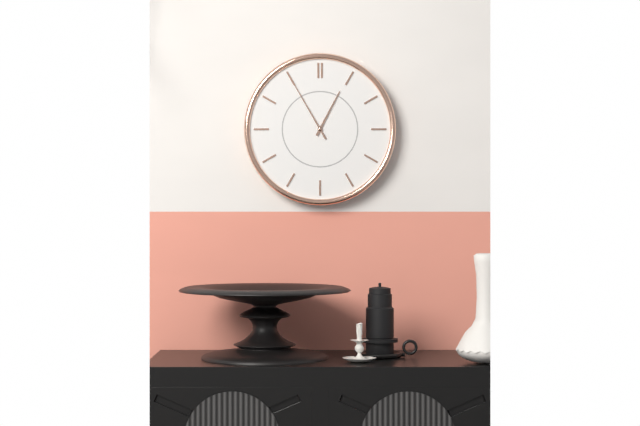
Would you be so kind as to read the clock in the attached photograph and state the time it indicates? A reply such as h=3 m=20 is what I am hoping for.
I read h=12 m=55
